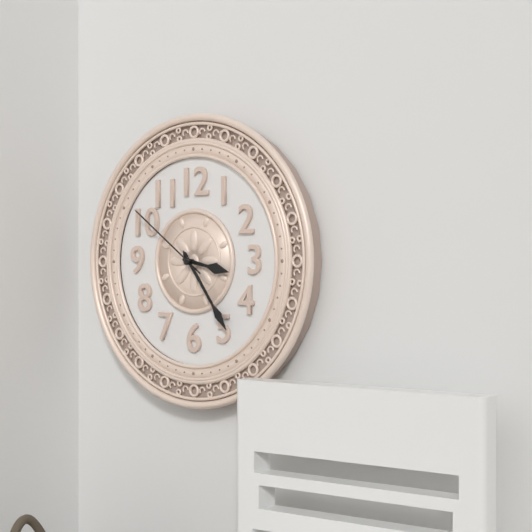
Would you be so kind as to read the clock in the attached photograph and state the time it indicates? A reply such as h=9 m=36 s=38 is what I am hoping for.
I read h=3 m=24 s=51
